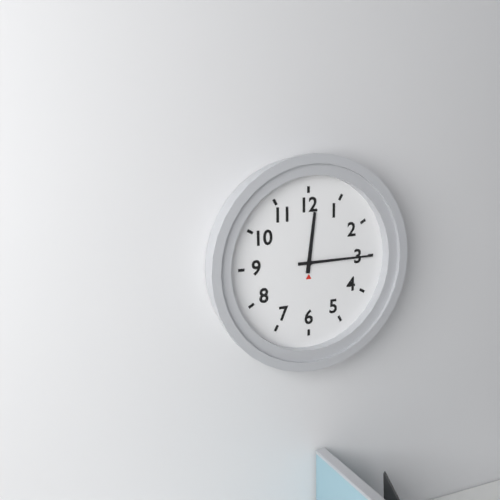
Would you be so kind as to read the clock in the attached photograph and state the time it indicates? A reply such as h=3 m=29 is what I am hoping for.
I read h=12 m=15
